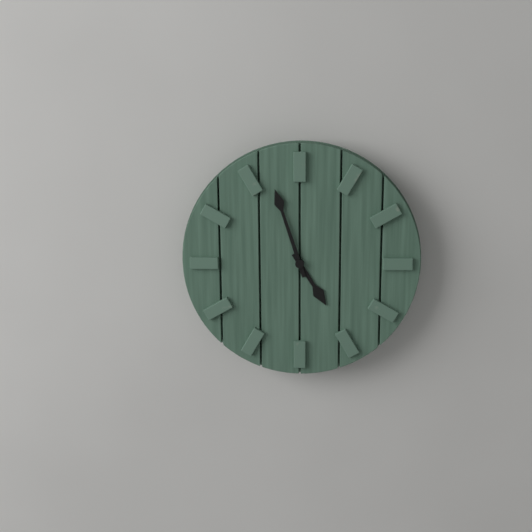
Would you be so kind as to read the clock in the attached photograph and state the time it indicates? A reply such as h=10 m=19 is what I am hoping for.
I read h=4 m=57
